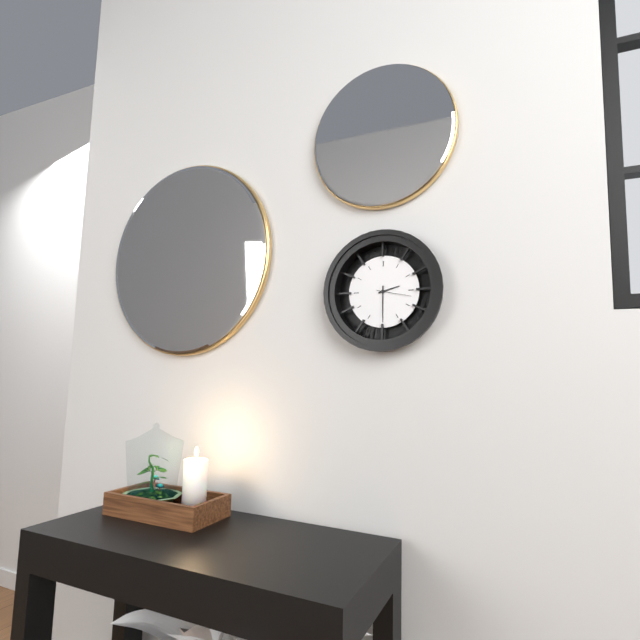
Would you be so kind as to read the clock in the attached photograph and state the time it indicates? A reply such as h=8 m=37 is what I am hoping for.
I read h=2 m=30
